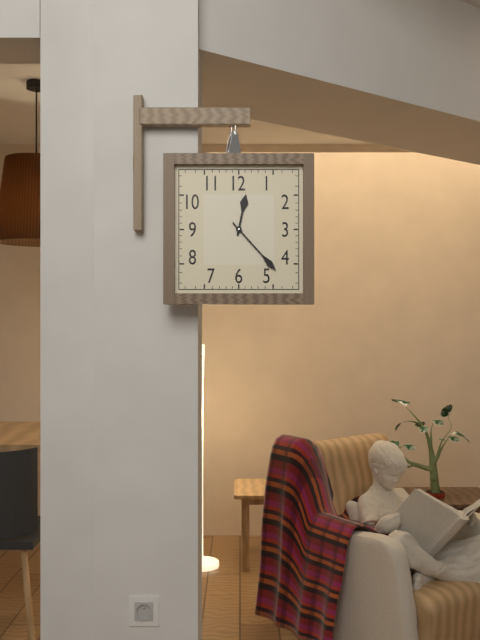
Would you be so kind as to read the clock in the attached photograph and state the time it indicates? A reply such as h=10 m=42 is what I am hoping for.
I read h=12 m=23
